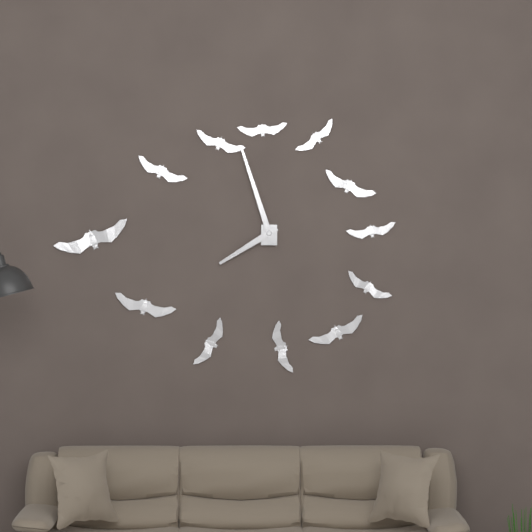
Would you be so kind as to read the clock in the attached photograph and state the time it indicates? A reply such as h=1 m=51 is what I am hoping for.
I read h=7 m=57
